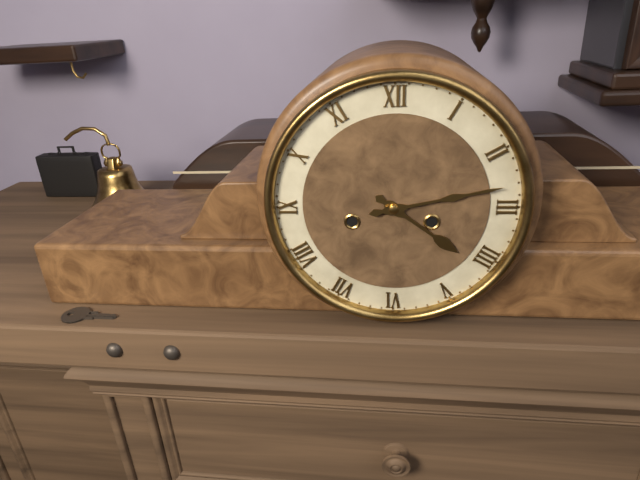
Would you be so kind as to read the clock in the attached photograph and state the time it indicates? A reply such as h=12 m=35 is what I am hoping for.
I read h=4 m=13
